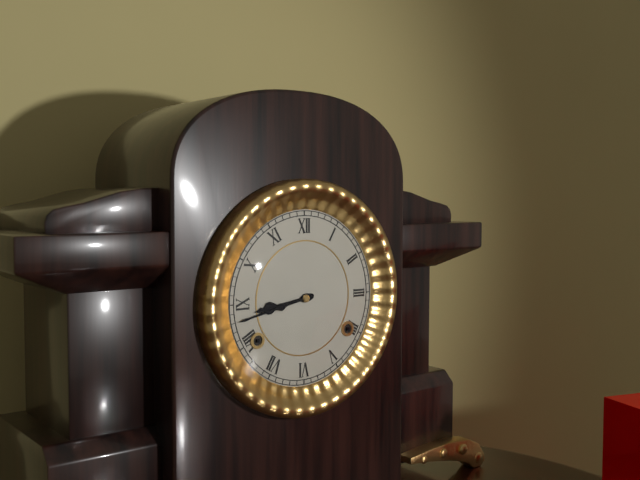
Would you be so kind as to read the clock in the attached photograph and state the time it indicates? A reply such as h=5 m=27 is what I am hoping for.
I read h=8 m=43
